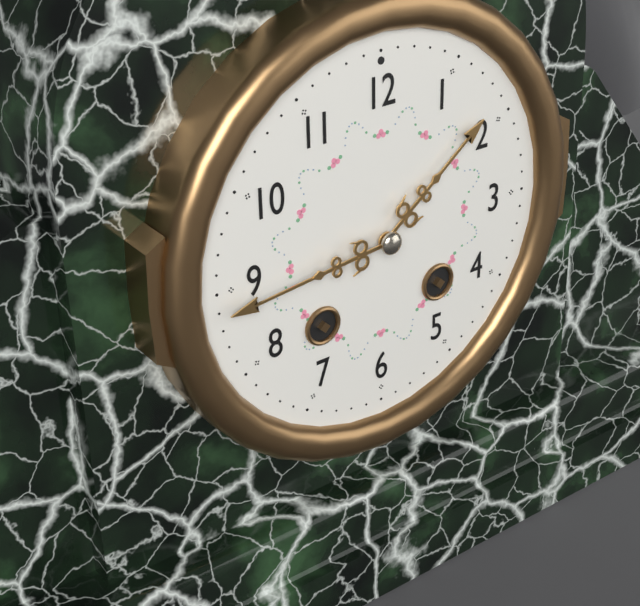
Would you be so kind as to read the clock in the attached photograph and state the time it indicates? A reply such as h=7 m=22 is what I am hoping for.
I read h=1 m=44
